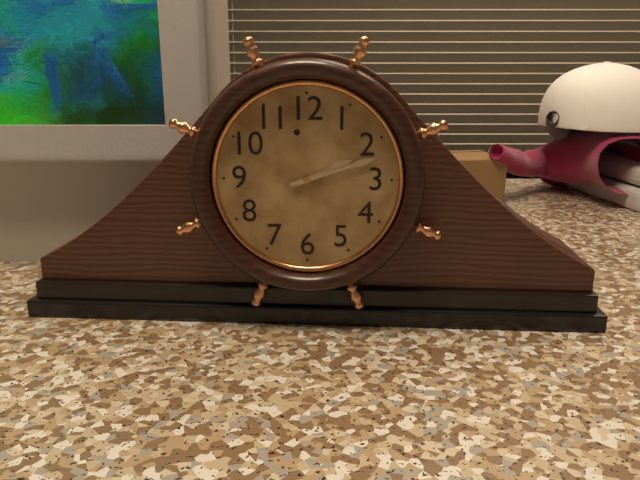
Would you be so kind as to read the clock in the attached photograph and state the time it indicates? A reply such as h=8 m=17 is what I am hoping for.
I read h=2 m=12
